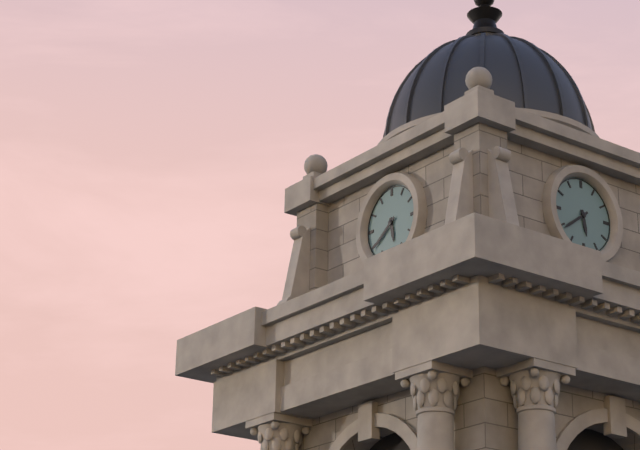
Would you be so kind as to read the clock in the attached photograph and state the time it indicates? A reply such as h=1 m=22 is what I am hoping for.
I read h=5 m=39
